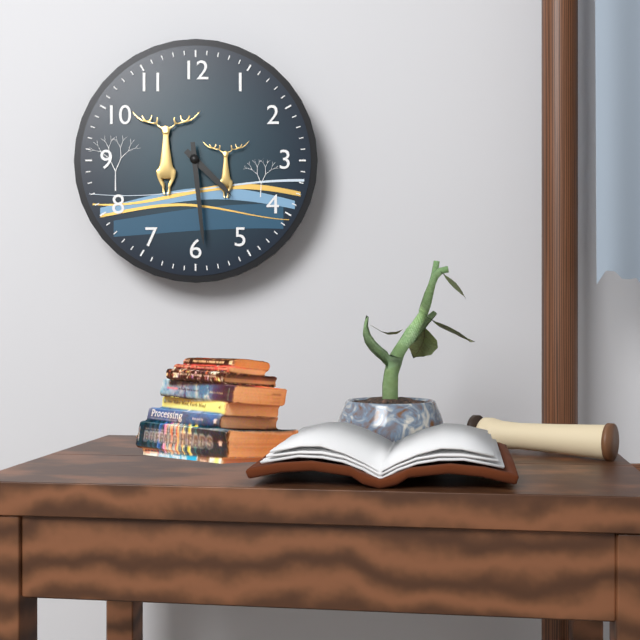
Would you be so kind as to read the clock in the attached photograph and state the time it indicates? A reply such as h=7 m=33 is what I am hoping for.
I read h=4 m=29
